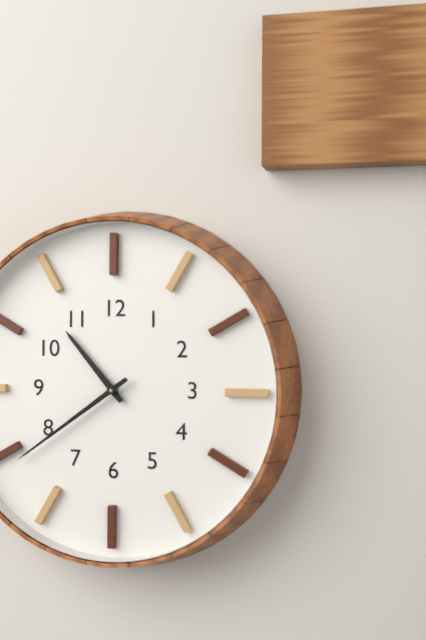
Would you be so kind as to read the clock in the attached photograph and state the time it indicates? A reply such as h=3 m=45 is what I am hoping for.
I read h=10 m=39
